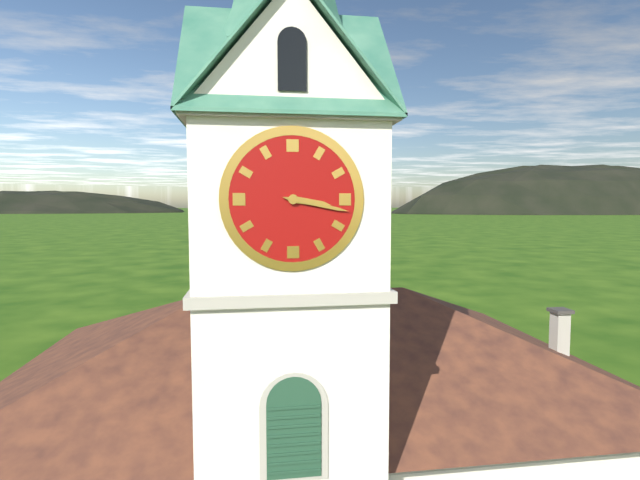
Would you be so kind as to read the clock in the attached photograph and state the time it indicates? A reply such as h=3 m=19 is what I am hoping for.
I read h=3 m=17
